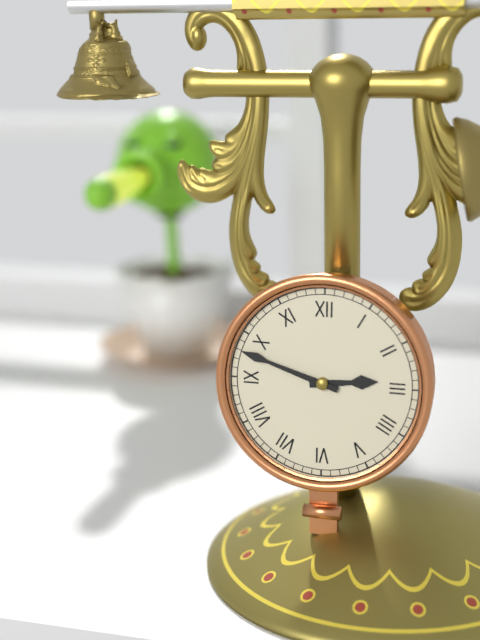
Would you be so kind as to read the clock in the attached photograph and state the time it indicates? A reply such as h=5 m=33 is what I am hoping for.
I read h=2 m=48
